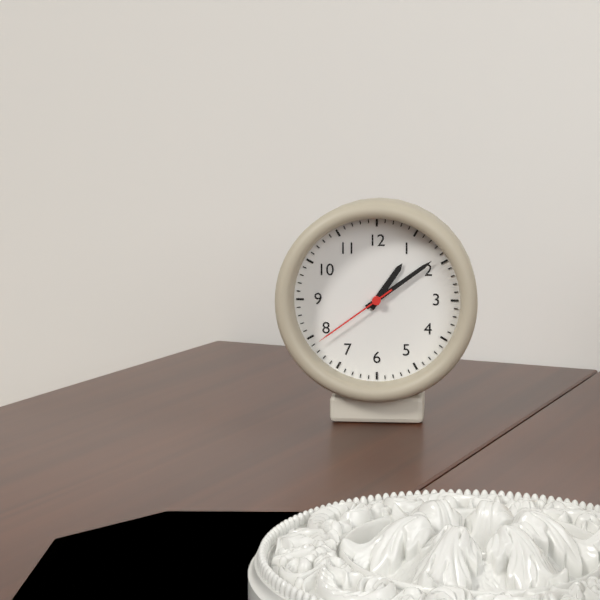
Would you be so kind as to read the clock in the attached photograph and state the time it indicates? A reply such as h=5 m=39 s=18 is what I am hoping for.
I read h=1 m=9 s=39
